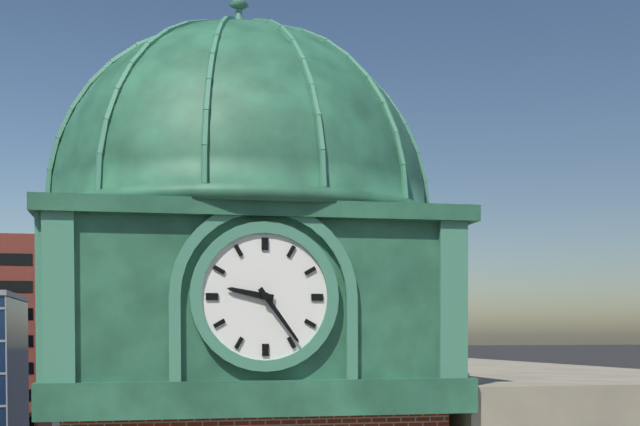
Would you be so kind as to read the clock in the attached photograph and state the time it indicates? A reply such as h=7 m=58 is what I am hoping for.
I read h=9 m=24
